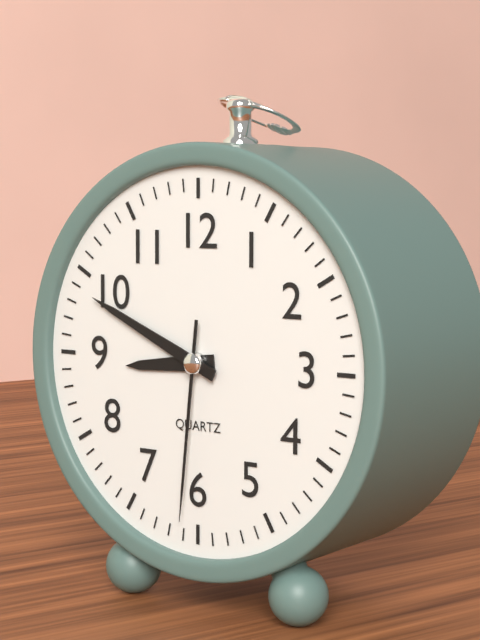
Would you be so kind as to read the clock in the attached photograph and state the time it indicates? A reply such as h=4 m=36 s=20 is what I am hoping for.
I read h=8 m=49 s=31
